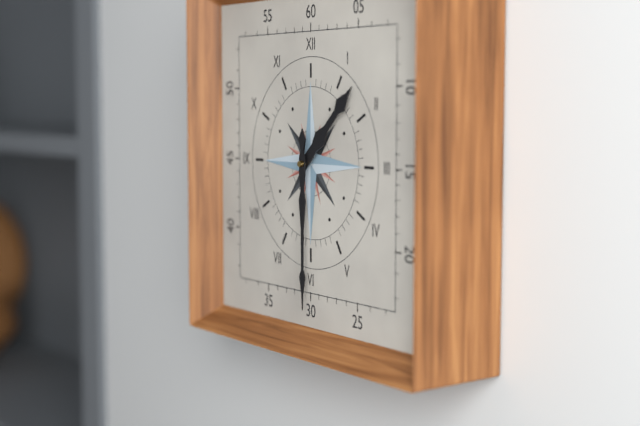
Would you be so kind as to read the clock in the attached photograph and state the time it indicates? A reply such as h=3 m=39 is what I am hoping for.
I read h=1 m=30
